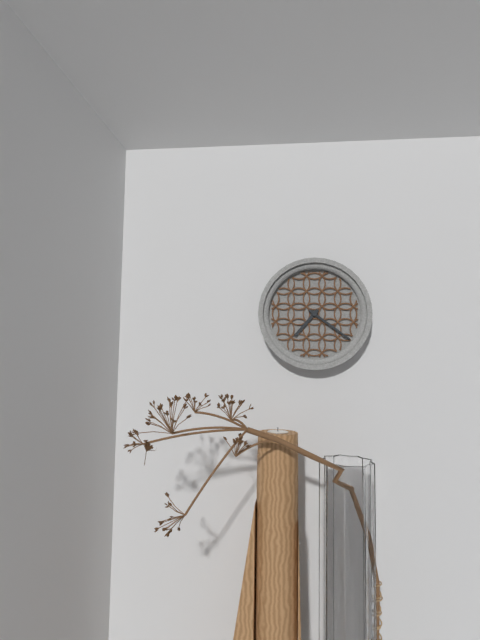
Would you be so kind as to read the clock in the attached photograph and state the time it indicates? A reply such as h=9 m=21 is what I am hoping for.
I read h=7 m=21
